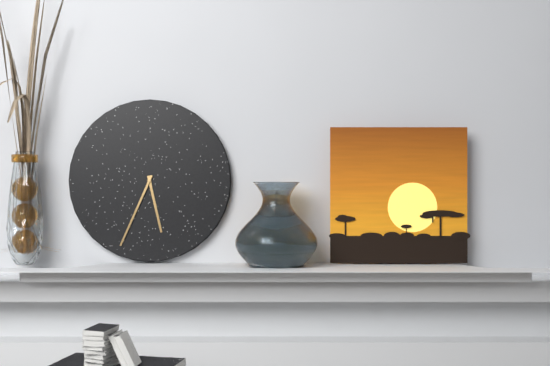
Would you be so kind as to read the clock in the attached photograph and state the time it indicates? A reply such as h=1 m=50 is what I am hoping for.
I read h=5 m=34
